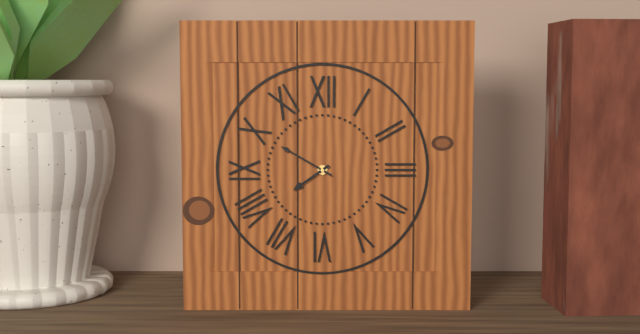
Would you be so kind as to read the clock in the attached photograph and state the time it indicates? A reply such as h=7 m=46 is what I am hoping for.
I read h=7 m=50
